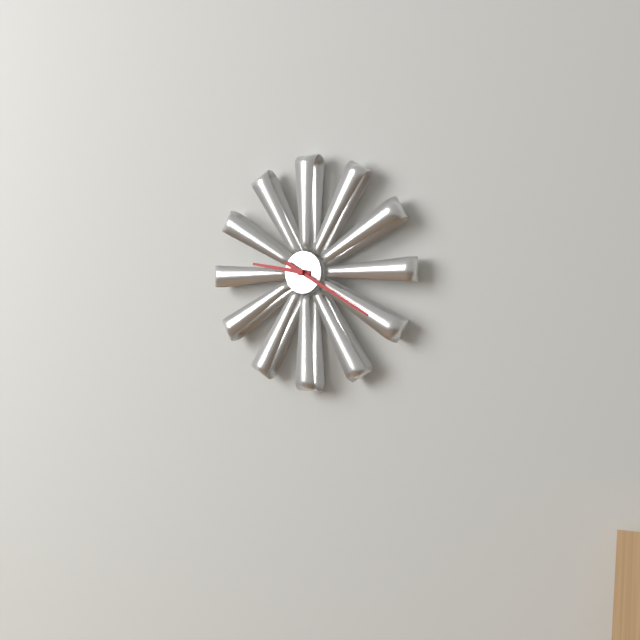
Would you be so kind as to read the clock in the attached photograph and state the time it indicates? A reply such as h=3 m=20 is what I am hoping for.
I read h=9 m=20
